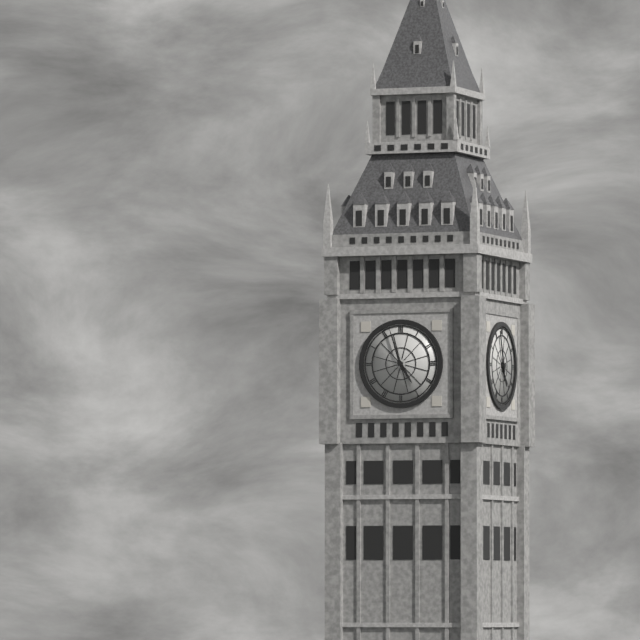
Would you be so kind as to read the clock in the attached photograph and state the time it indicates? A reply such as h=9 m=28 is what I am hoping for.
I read h=4 m=57
